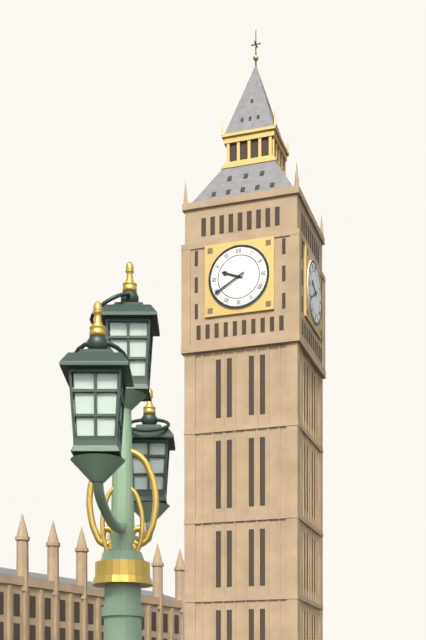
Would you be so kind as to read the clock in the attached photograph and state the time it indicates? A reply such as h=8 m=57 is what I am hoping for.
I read h=9 m=40
